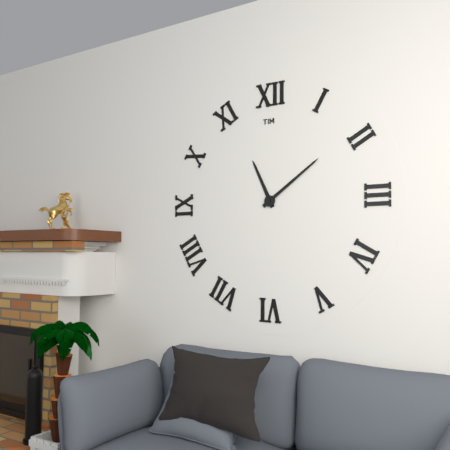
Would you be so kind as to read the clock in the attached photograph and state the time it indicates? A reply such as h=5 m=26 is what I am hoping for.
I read h=11 m=9
